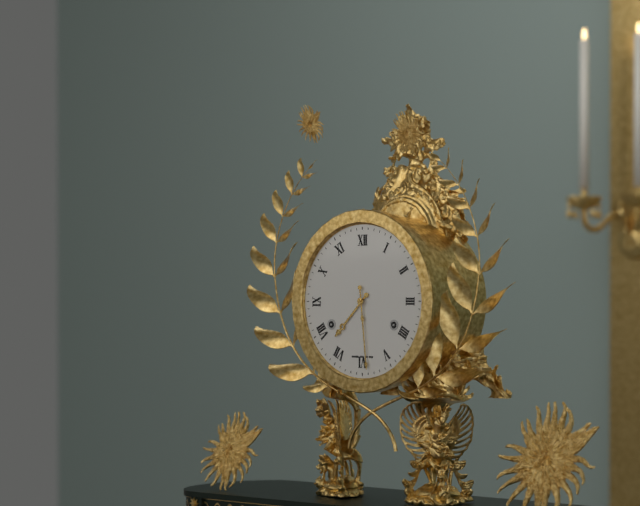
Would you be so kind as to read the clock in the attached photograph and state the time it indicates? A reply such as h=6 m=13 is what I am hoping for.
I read h=7 m=29
